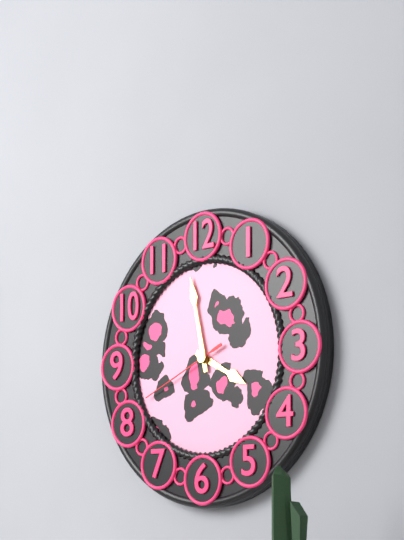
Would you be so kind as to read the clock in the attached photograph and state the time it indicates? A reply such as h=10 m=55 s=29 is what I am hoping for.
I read h=3 m=58 s=41
